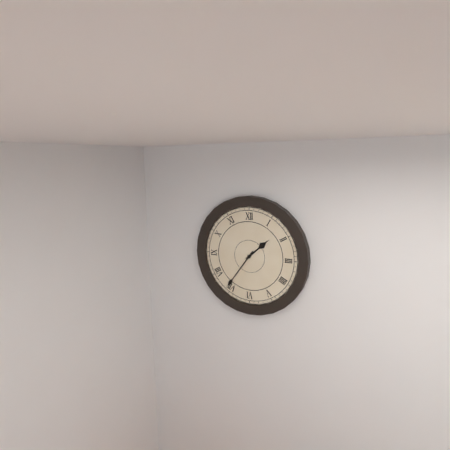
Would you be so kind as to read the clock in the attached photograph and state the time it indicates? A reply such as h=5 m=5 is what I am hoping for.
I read h=1 m=36
